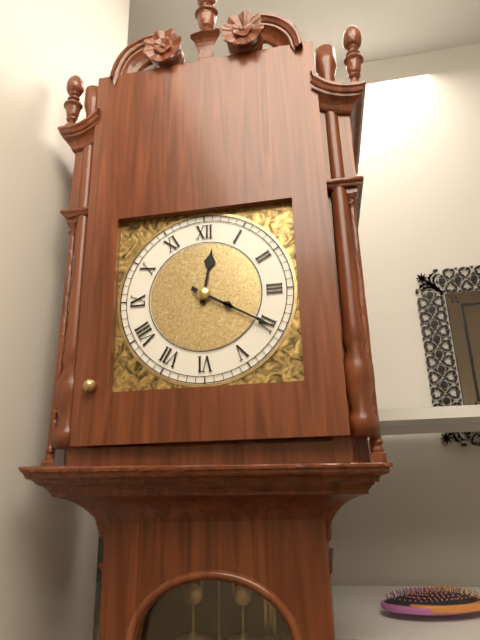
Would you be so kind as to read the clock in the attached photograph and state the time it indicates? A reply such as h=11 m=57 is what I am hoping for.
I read h=12 m=20
